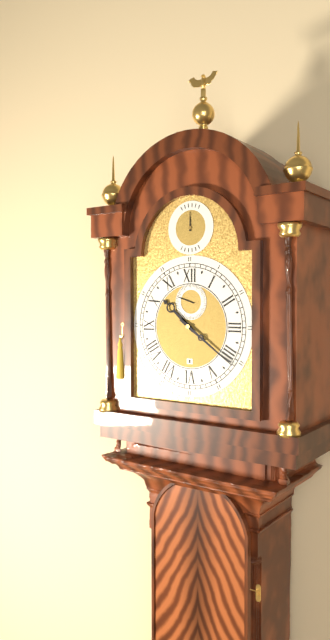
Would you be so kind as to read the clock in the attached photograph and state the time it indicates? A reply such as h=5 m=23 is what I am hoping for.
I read h=10 m=21
